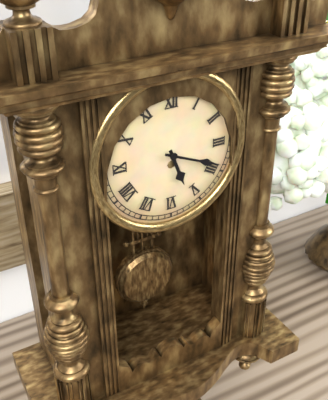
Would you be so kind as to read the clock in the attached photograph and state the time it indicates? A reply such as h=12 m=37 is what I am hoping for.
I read h=5 m=19
